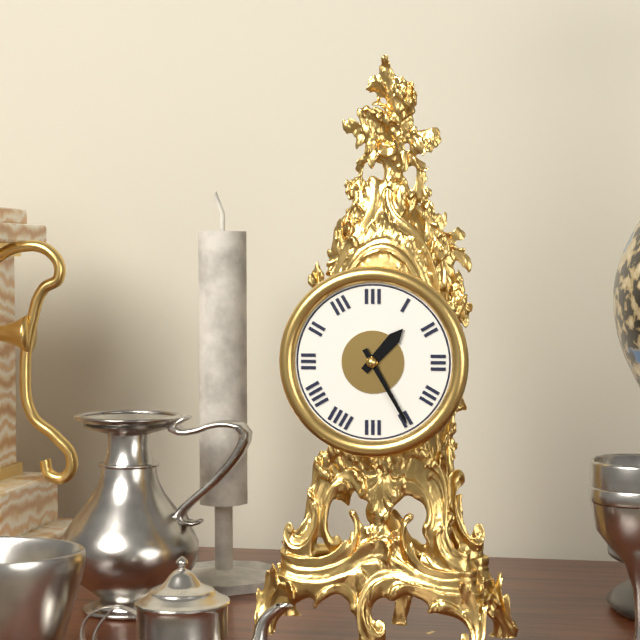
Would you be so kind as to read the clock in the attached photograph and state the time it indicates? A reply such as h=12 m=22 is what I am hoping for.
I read h=1 m=25
